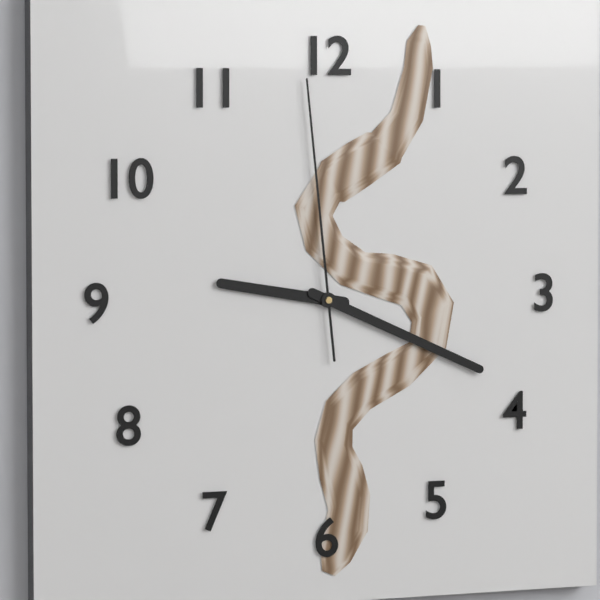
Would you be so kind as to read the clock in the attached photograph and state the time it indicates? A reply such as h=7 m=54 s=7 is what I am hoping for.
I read h=9 m=19 s=59
